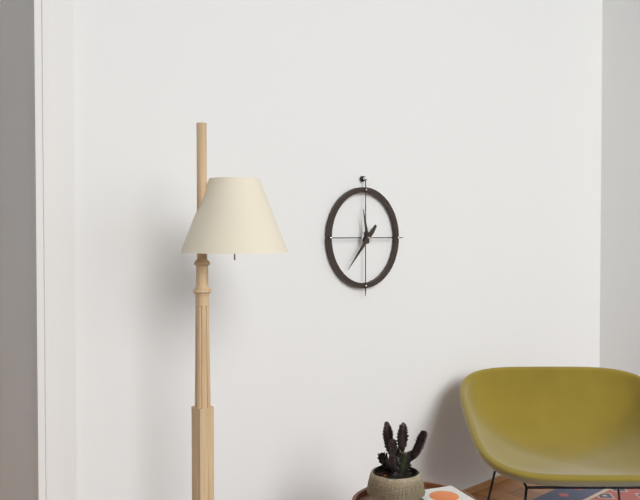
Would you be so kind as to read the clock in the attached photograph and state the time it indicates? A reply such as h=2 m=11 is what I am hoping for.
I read h=11 m=37
